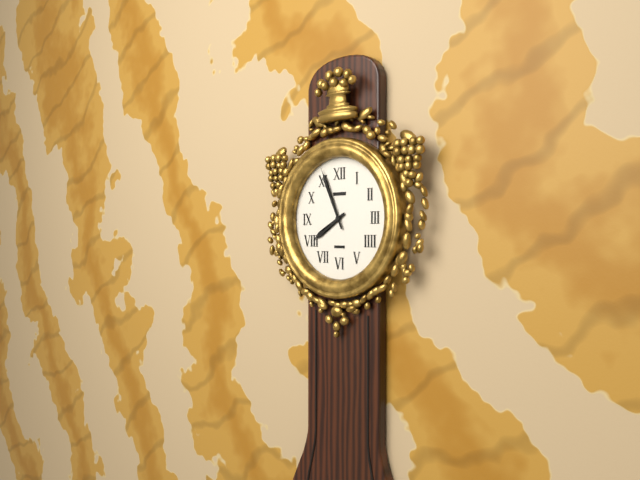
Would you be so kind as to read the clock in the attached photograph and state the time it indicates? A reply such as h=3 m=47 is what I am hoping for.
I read h=7 m=56
